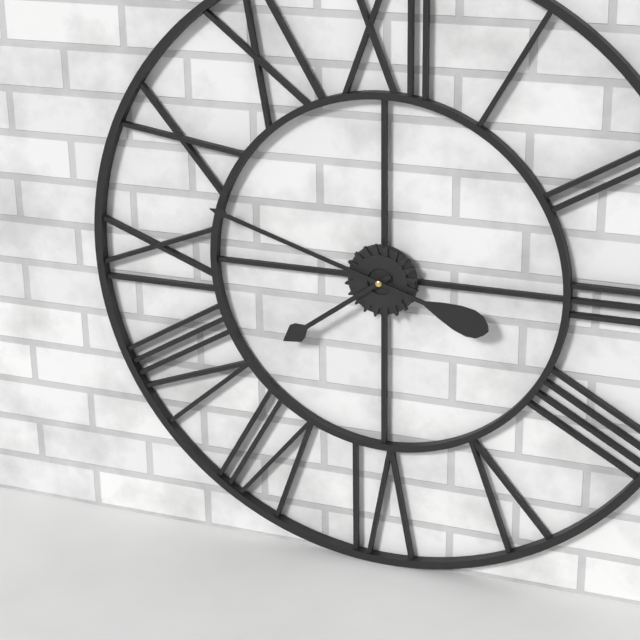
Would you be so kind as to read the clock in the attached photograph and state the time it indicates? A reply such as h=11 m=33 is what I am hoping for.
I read h=7 m=48
